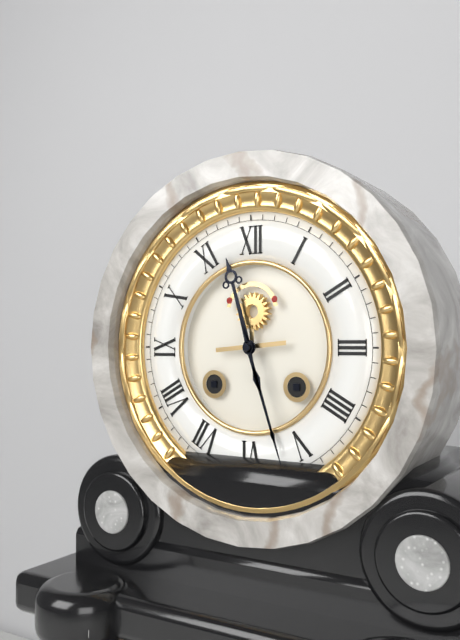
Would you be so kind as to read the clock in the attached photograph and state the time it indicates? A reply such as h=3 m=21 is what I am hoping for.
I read h=11 m=27
